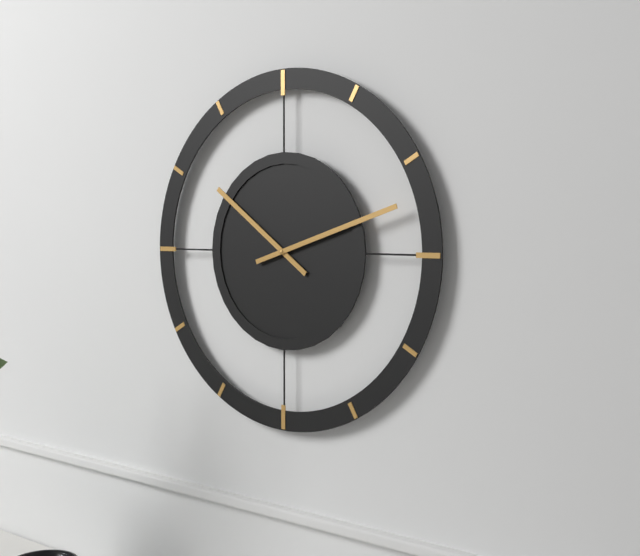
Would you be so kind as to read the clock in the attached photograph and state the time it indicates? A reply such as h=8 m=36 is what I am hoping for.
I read h=10 m=12
